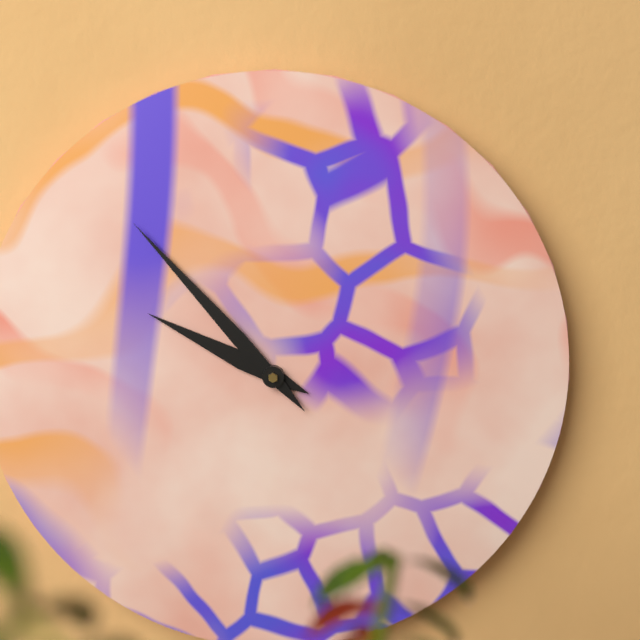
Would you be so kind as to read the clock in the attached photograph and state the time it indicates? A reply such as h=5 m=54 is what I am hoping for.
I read h=9 m=53
